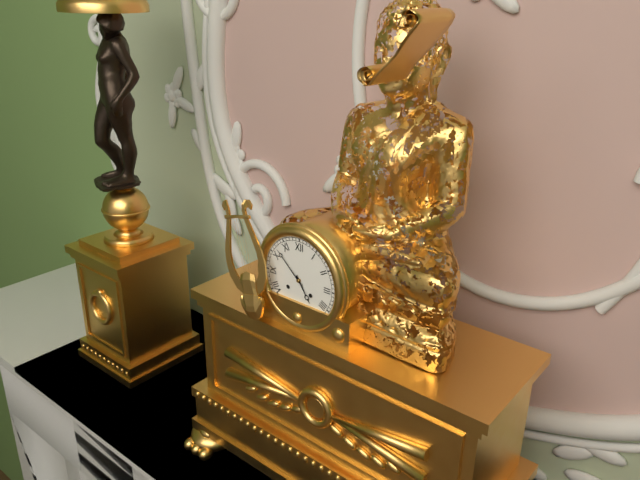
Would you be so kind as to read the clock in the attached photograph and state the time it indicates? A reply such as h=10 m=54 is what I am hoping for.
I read h=4 m=52
